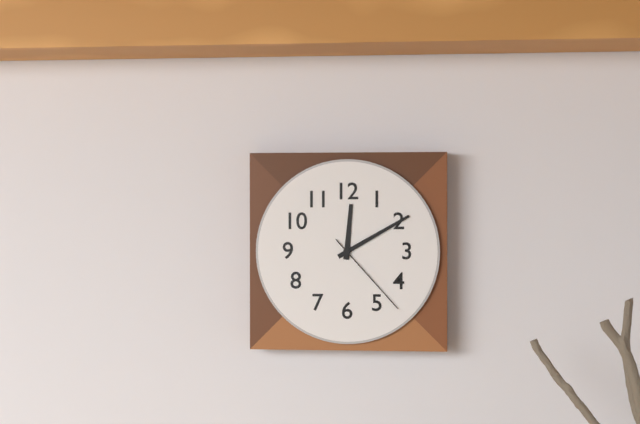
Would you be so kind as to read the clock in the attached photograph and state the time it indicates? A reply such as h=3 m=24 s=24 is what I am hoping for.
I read h=12 m=10 s=23
